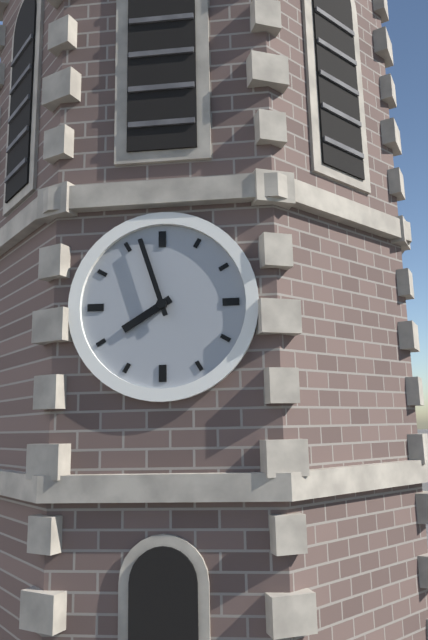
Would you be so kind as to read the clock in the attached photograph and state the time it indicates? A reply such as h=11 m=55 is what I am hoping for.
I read h=7 m=57
